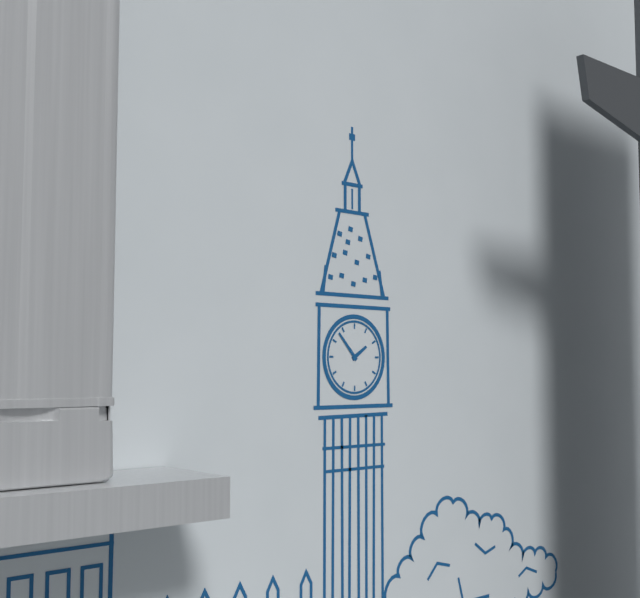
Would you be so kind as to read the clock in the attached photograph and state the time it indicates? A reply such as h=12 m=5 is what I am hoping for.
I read h=1 m=53
